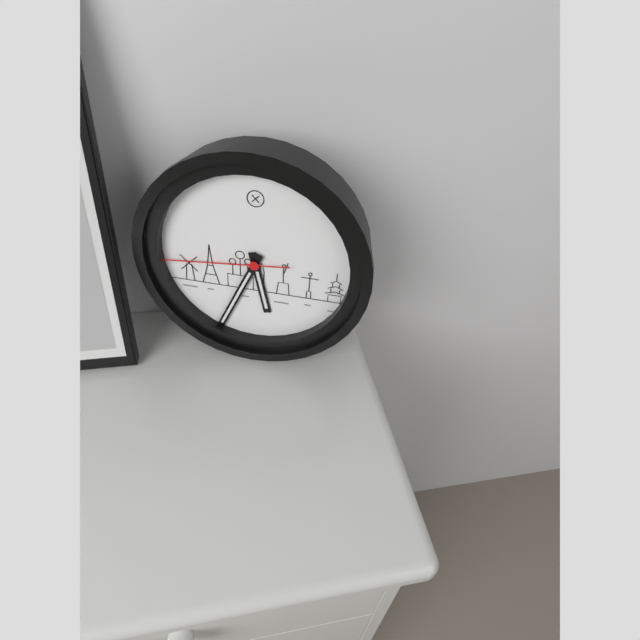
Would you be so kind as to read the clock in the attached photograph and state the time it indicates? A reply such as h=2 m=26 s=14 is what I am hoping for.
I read h=5 m=34 s=44
